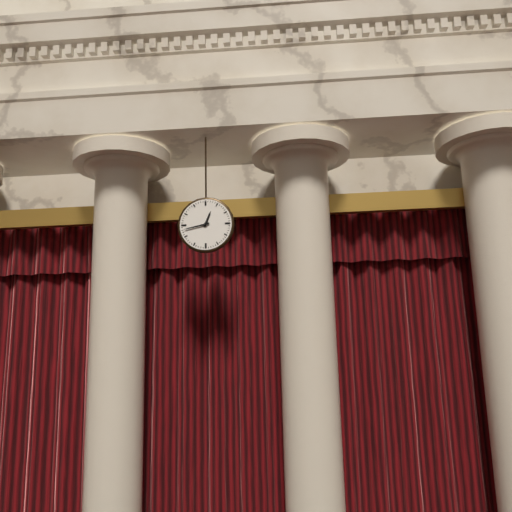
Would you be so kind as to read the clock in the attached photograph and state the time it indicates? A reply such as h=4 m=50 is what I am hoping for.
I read h=12 m=43
